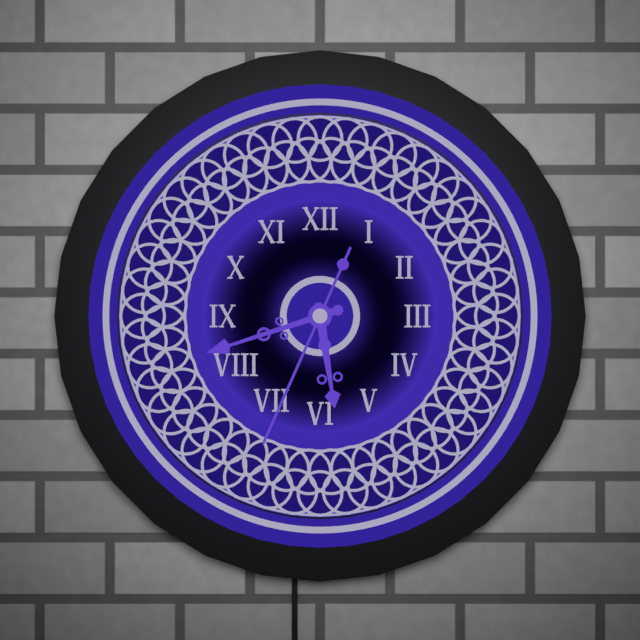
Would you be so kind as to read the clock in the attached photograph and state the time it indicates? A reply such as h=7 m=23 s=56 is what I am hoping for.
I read h=5 m=42 s=34
